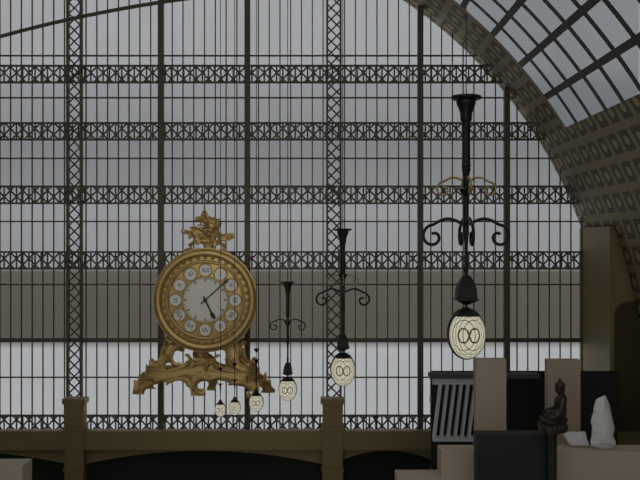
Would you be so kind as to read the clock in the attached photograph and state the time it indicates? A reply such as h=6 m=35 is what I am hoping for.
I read h=5 m=8
